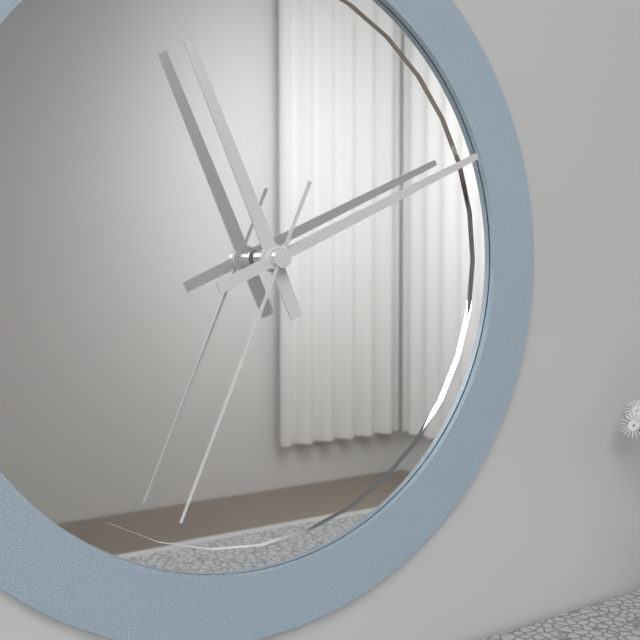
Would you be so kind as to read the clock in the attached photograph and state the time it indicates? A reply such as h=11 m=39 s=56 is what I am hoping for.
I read h=11 m=11 s=34
